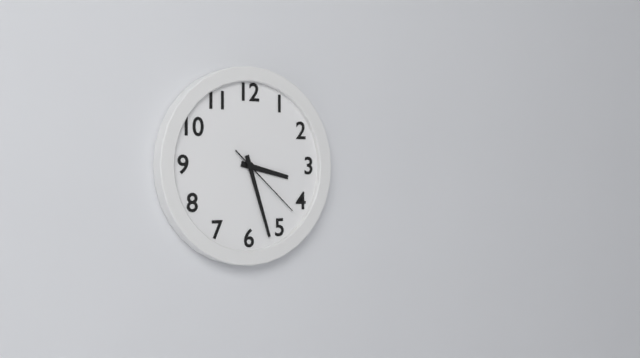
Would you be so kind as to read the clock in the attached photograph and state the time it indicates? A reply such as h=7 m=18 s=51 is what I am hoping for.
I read h=3 m=27 s=22
